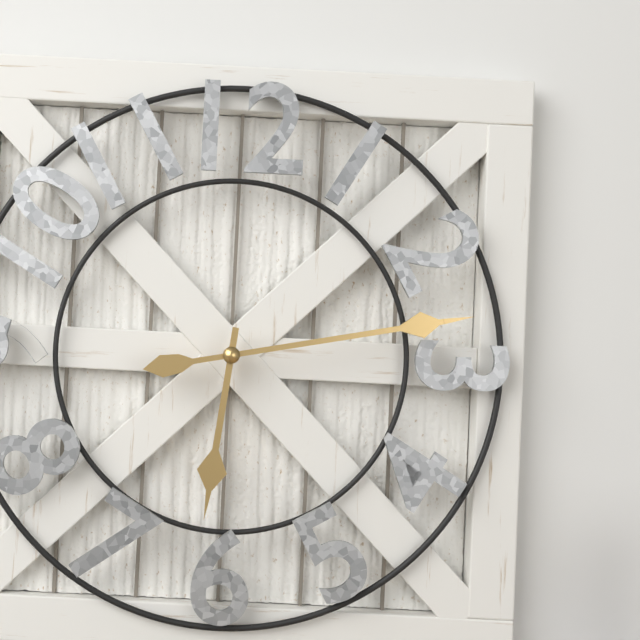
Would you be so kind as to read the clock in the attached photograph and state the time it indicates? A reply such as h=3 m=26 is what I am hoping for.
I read h=6 m=13
